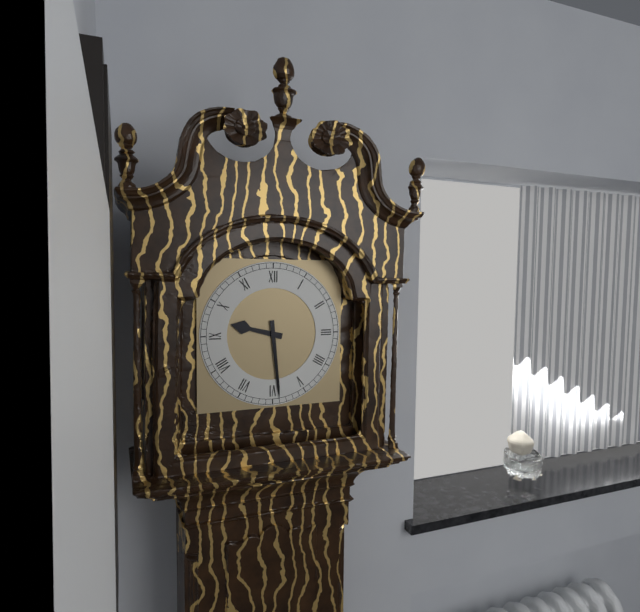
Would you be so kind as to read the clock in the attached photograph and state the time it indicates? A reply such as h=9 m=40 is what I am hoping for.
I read h=9 m=29
